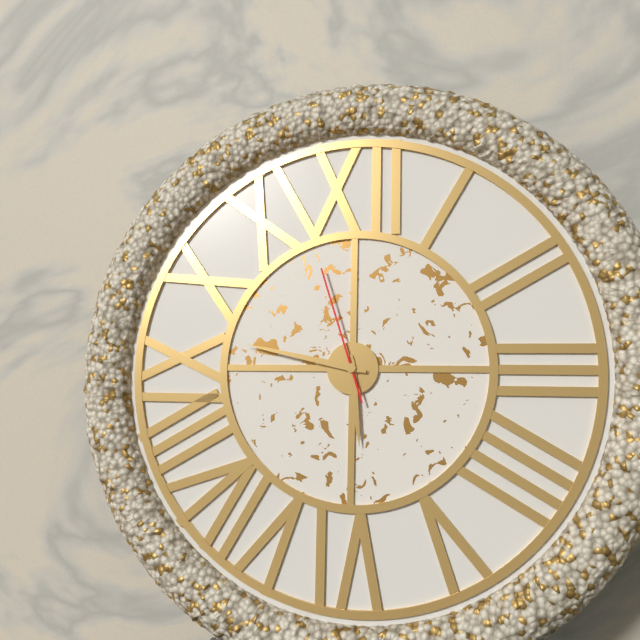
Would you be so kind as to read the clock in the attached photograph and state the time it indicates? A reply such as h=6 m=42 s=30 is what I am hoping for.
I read h=5 m=47 s=57
